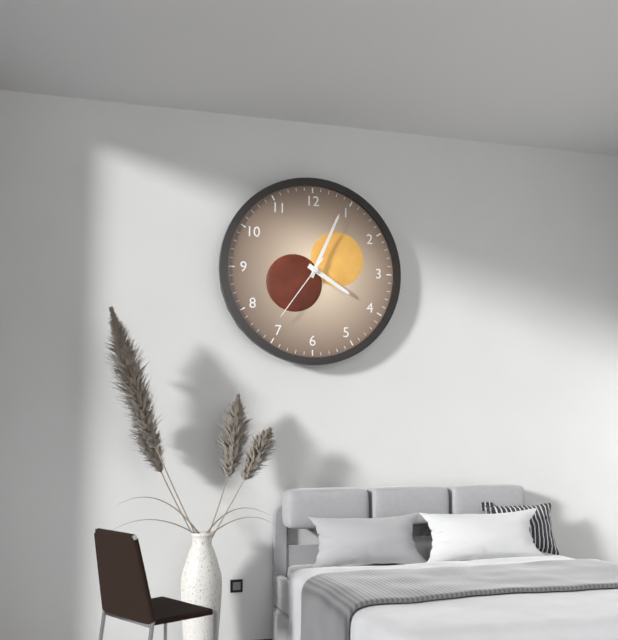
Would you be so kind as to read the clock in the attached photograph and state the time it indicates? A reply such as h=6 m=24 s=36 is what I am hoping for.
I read h=4 m=4 s=36
